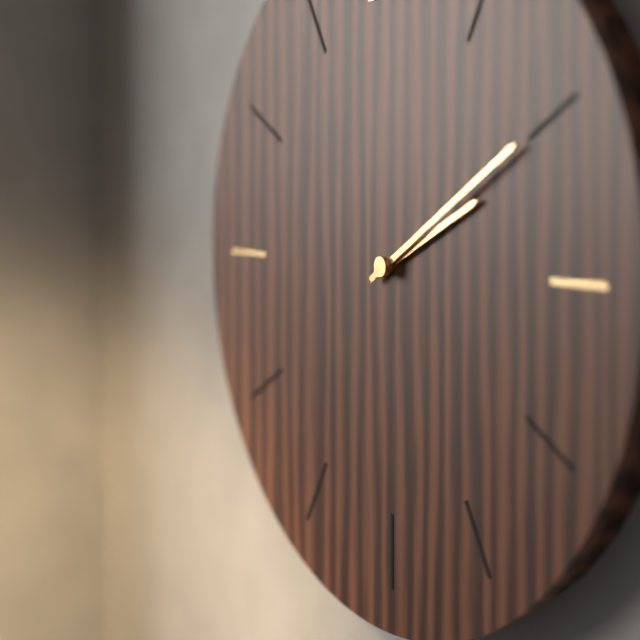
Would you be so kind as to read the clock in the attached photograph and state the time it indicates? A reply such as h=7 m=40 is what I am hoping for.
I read h=2 m=10
